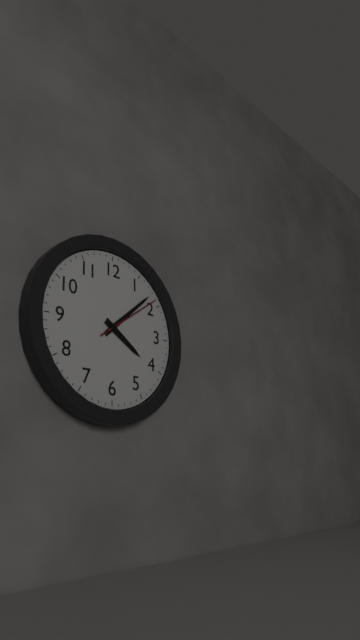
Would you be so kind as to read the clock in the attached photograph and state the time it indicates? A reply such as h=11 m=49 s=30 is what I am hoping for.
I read h=4 m=8 s=9
